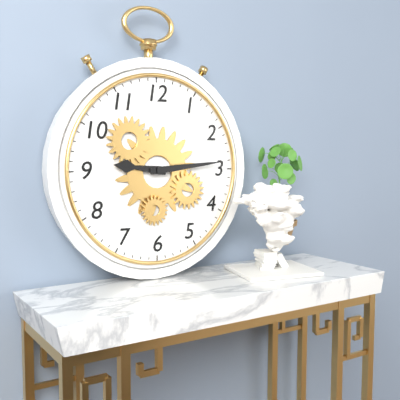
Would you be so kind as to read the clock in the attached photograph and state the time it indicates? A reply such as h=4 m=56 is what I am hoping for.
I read h=9 m=14
